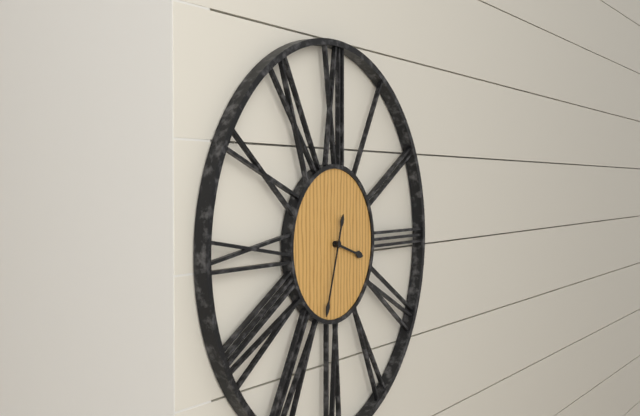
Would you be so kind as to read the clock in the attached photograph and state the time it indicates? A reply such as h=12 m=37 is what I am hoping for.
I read h=3 m=33
